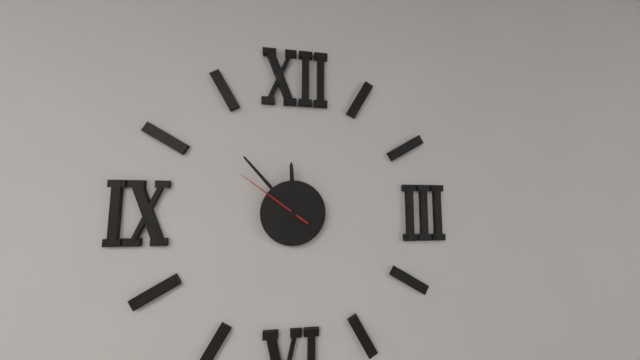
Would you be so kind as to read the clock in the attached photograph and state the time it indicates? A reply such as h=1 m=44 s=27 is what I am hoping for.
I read h=11 m=53 s=51
